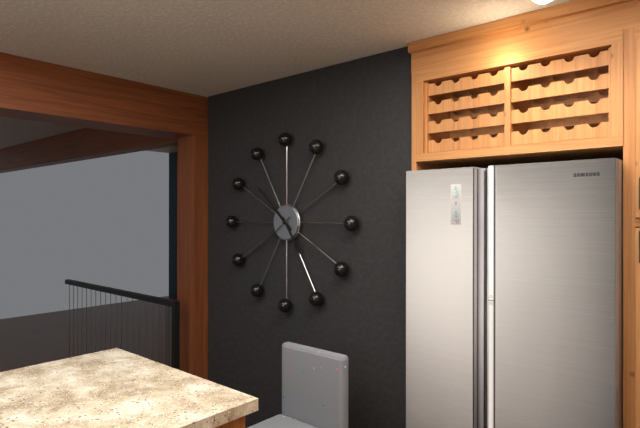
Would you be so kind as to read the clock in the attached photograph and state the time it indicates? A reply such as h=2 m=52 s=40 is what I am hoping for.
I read h=4 m=52 s=39
